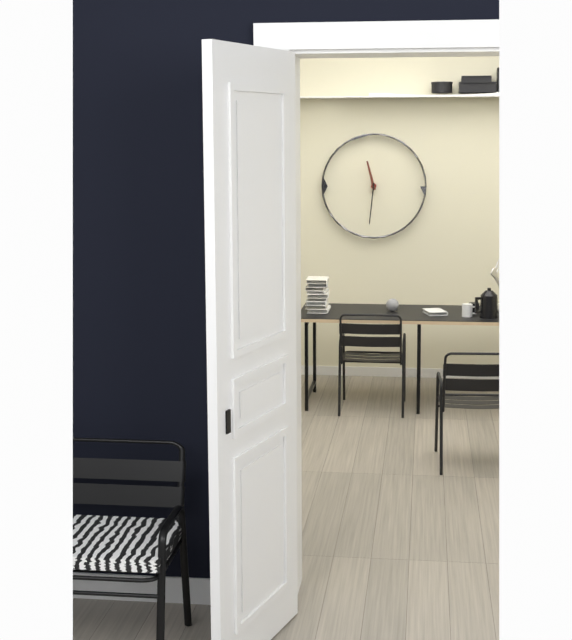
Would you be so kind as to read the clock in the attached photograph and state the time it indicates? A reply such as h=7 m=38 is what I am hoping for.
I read h=11 m=31
